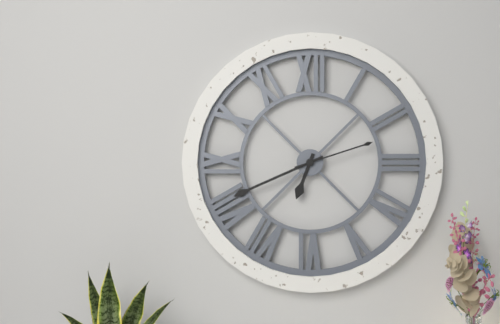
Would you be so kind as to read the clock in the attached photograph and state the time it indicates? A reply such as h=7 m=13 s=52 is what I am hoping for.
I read h=6 m=41 s=12
